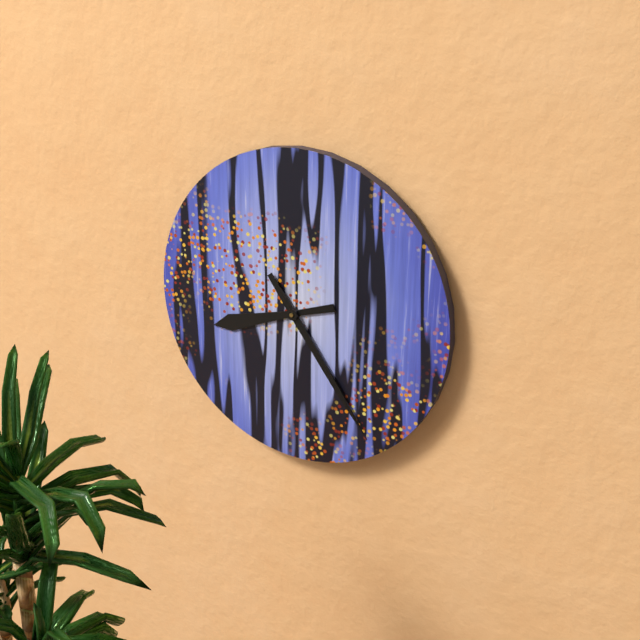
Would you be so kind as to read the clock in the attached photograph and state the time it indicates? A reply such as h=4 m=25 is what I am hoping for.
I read h=8 m=24
